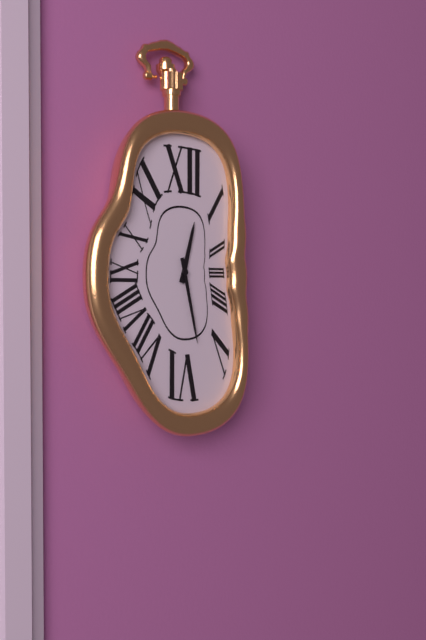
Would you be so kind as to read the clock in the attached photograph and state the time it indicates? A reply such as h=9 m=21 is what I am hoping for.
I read h=12 m=28
